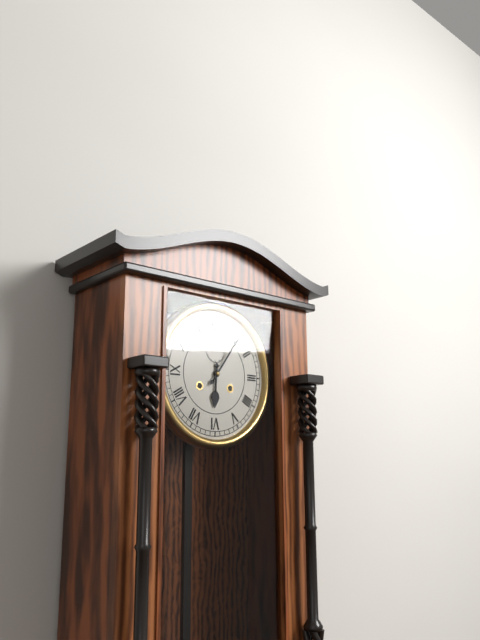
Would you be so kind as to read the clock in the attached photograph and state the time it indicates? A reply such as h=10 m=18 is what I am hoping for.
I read h=6 m=6
